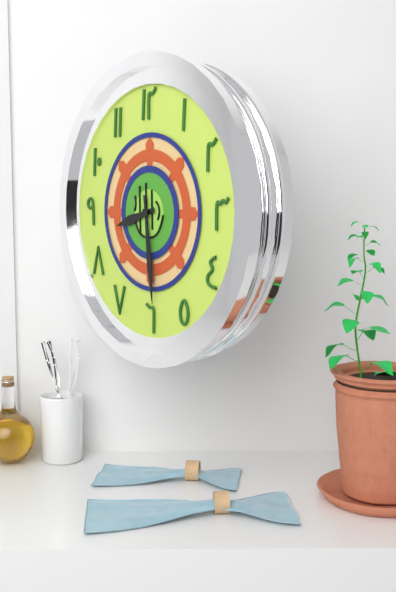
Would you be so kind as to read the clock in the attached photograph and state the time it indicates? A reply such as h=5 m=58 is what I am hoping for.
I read h=8 m=29
